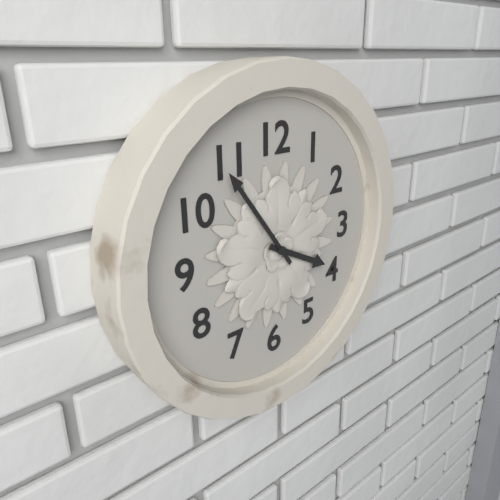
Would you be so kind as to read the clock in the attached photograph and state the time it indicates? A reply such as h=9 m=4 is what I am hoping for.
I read h=3 m=54
